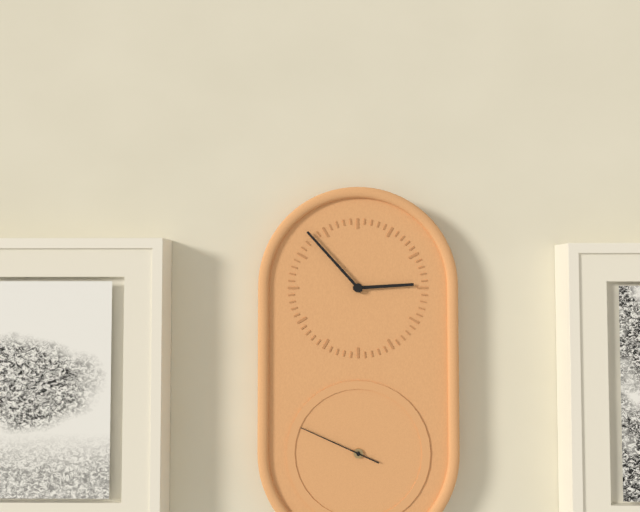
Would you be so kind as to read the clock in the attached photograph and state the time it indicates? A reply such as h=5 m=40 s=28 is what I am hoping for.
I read h=2 m=53 s=49
